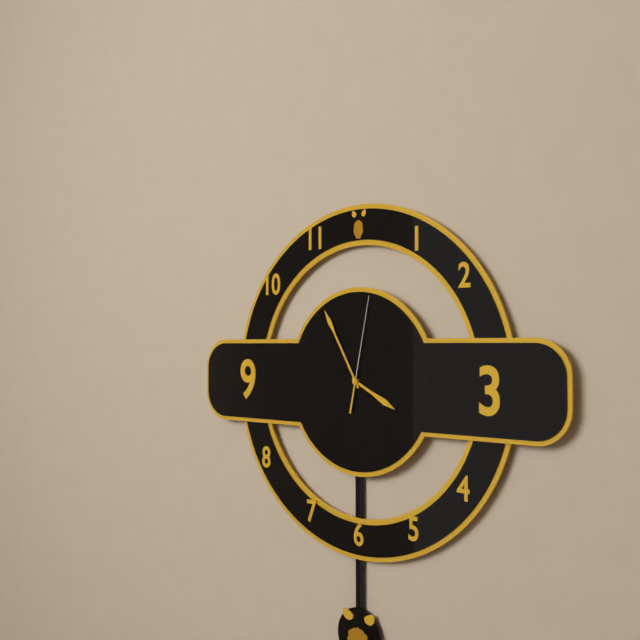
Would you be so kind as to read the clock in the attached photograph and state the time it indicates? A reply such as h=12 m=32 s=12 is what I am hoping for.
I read h=3 m=55 s=2
